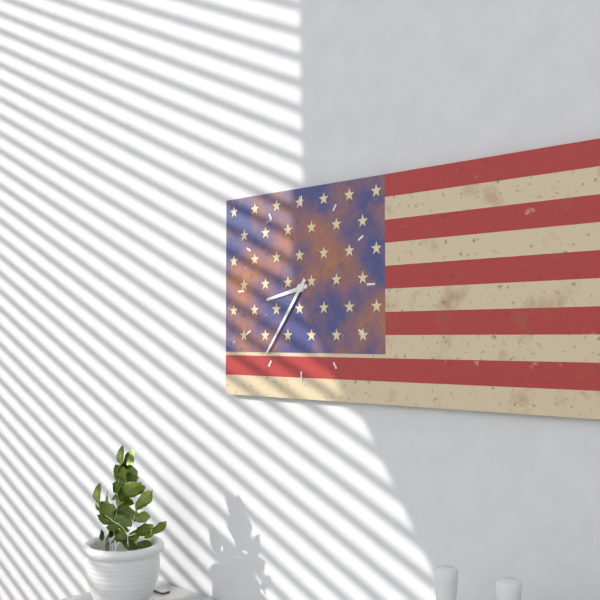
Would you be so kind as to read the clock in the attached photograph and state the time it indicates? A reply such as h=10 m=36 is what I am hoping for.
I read h=8 m=36
